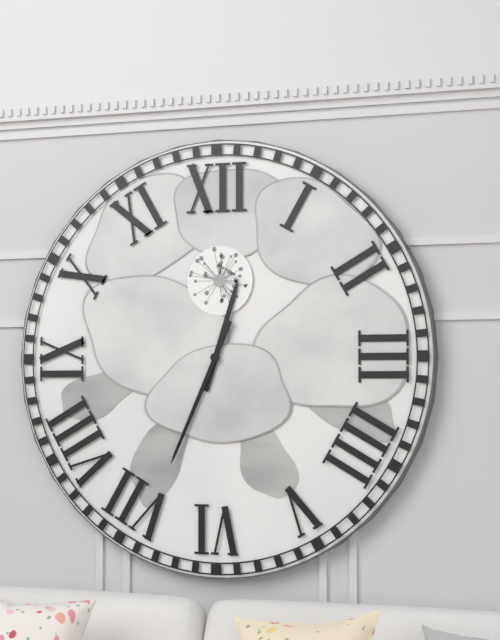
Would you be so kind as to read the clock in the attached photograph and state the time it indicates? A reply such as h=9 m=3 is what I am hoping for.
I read h=12 m=34
